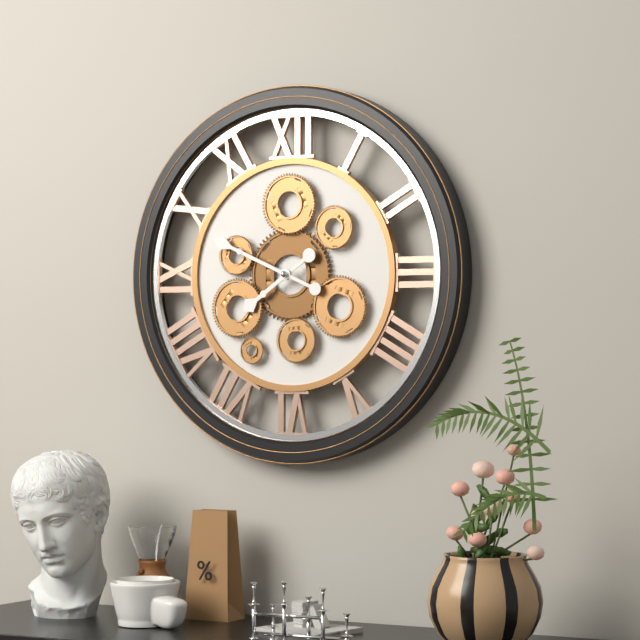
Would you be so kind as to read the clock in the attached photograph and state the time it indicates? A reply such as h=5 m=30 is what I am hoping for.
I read h=7 m=49
